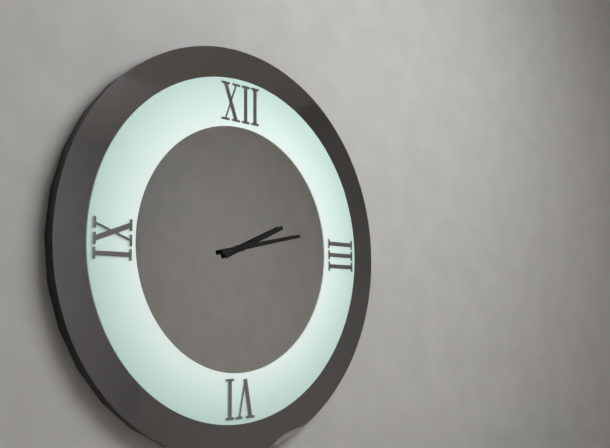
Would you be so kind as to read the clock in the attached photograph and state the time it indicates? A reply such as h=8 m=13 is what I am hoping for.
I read h=2 m=13
